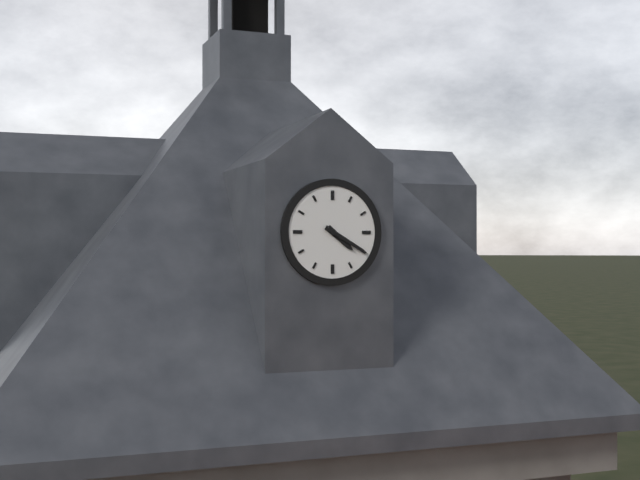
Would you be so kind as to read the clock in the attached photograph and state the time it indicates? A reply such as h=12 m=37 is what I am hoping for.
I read h=4 m=20
